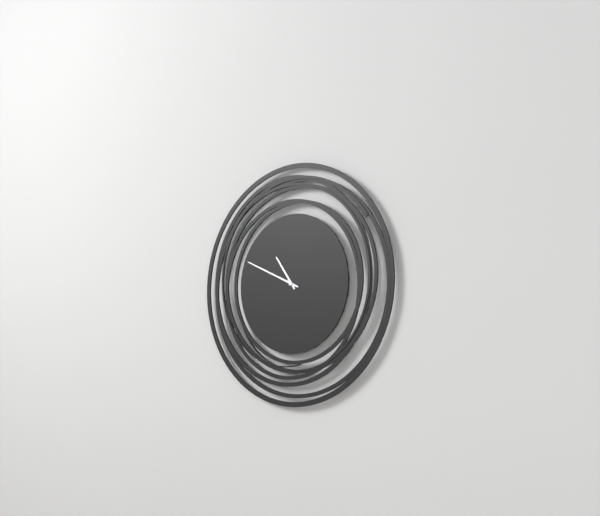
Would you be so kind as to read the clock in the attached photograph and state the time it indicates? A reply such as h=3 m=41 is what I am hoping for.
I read h=10 m=49
